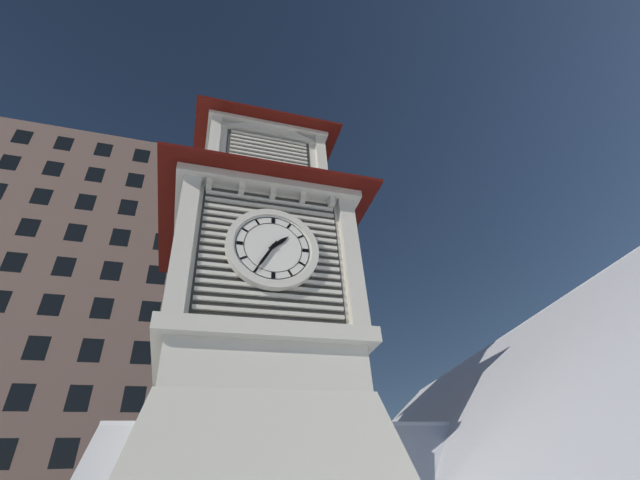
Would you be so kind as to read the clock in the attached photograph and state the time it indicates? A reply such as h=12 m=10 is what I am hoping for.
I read h=1 m=35
